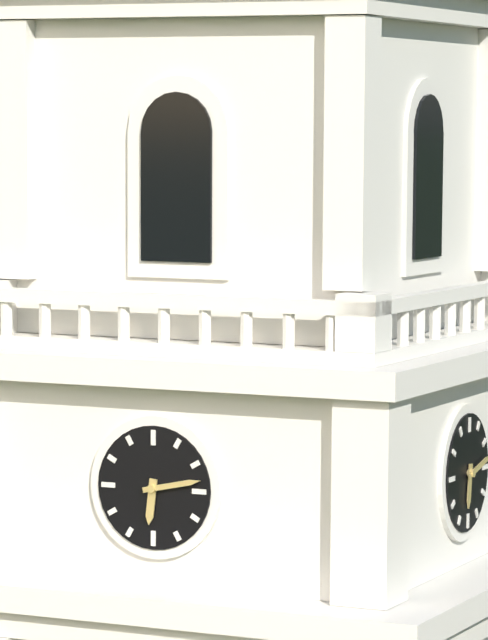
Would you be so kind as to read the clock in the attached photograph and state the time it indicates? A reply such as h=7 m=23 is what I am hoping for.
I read h=6 m=13
